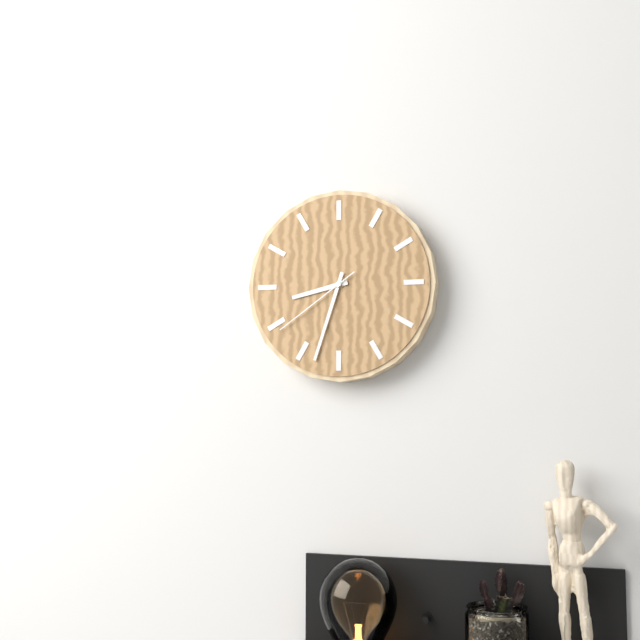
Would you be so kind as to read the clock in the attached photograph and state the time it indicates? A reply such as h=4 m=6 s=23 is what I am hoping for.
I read h=8 m=33 s=39
